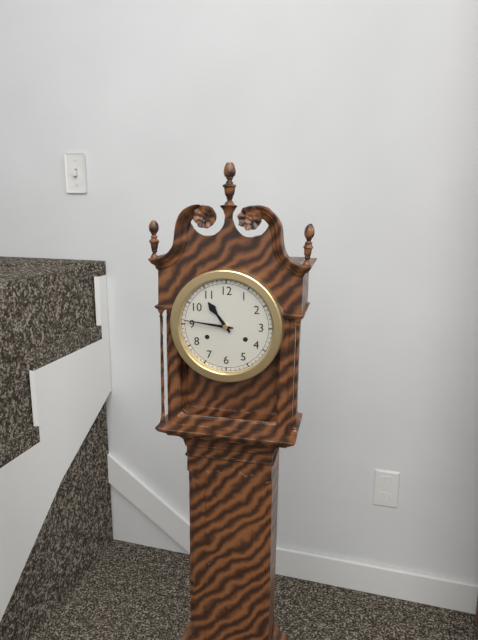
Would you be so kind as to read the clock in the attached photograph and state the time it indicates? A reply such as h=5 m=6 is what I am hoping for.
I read h=10 m=46
